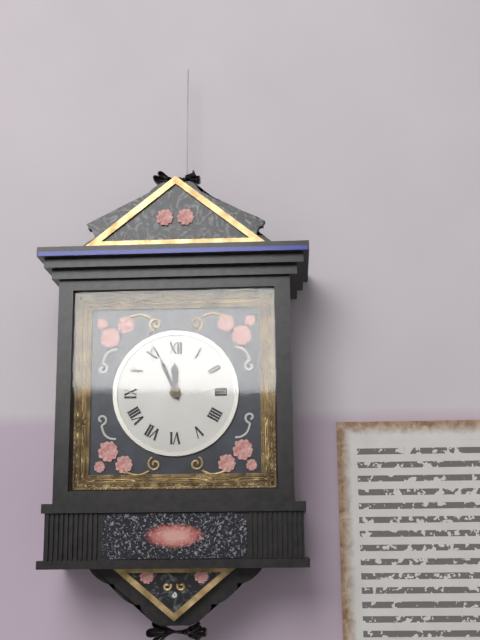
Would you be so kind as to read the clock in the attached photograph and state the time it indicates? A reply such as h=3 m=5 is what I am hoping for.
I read h=11 m=56
